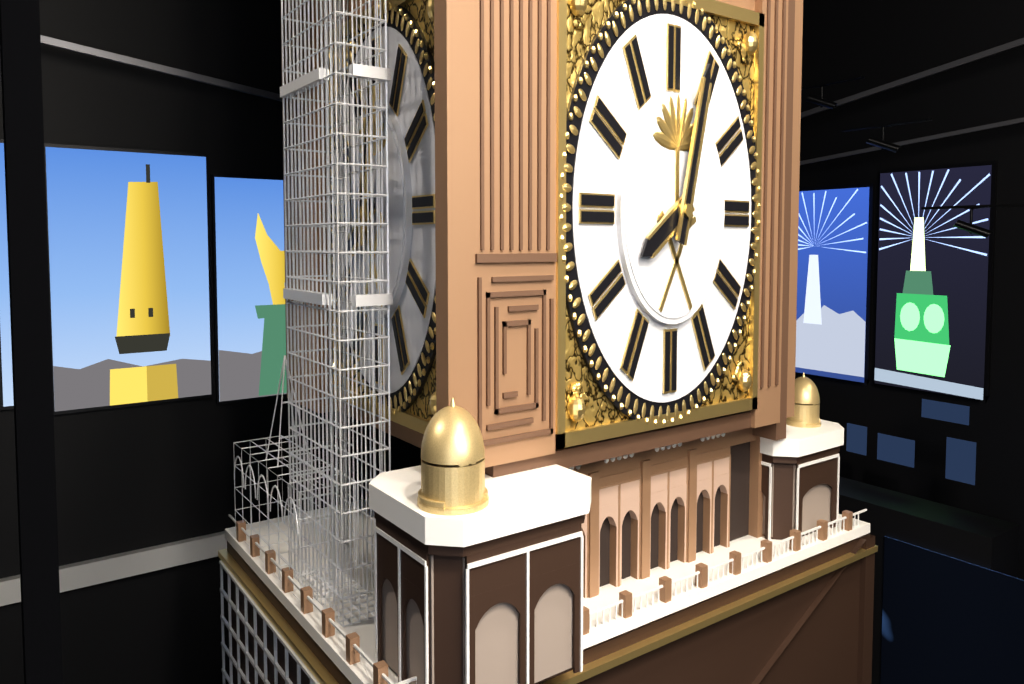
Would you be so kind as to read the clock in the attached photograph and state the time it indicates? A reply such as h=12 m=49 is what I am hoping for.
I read h=8 m=3
